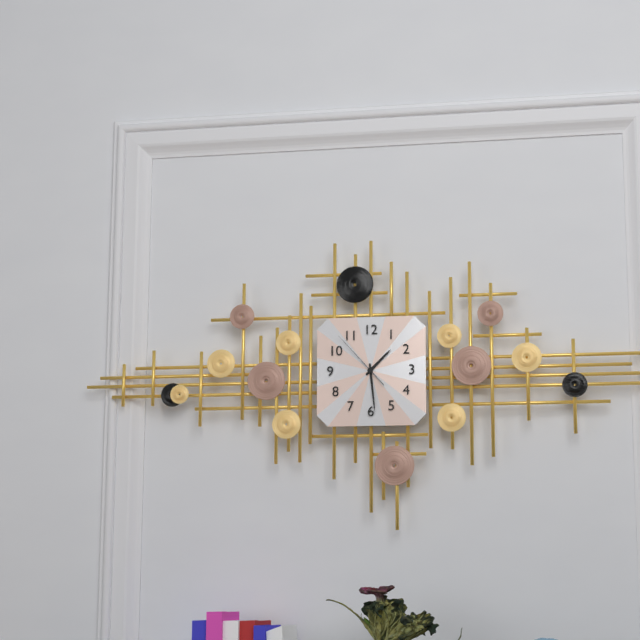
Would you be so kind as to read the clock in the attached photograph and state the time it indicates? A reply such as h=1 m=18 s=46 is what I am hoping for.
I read h=1 m=29 s=53
